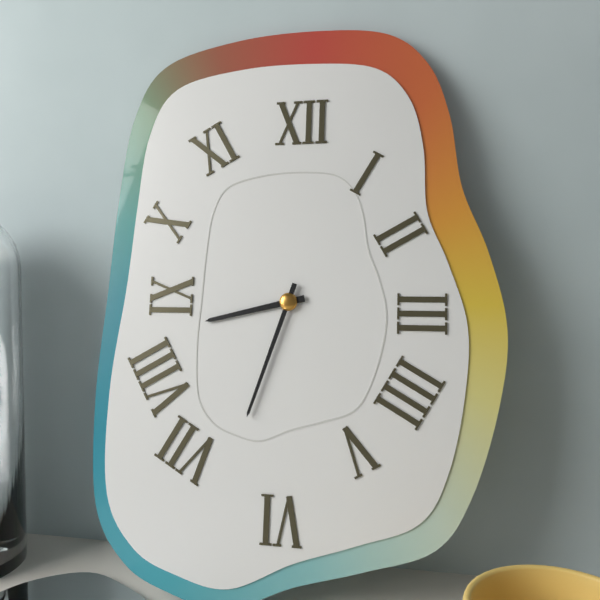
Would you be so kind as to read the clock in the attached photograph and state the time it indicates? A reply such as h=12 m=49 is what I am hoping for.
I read h=8 m=33
